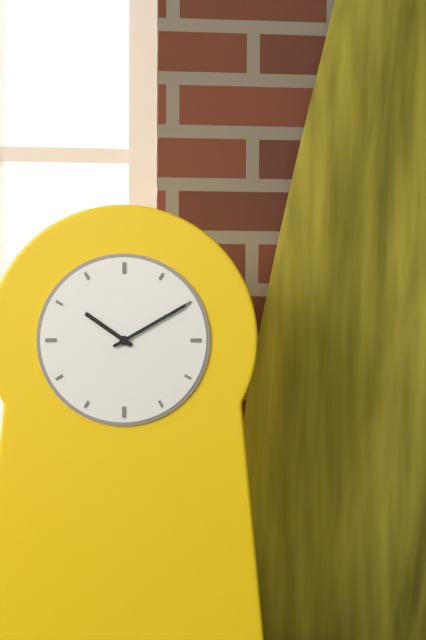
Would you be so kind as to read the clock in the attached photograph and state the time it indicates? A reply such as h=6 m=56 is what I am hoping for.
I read h=10 m=10
